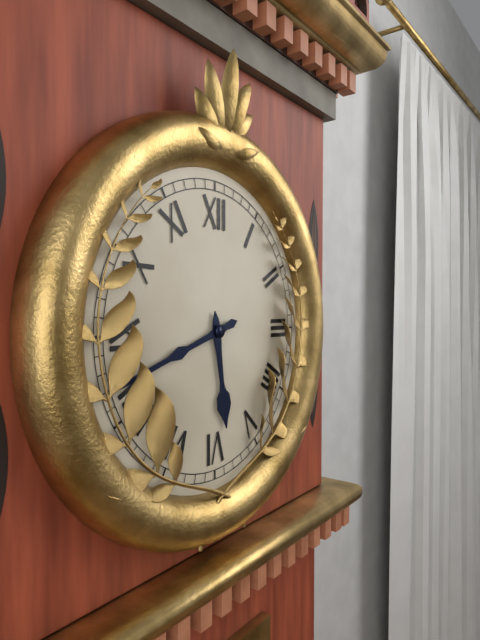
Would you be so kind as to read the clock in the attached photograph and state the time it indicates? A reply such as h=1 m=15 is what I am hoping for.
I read h=5 m=42
